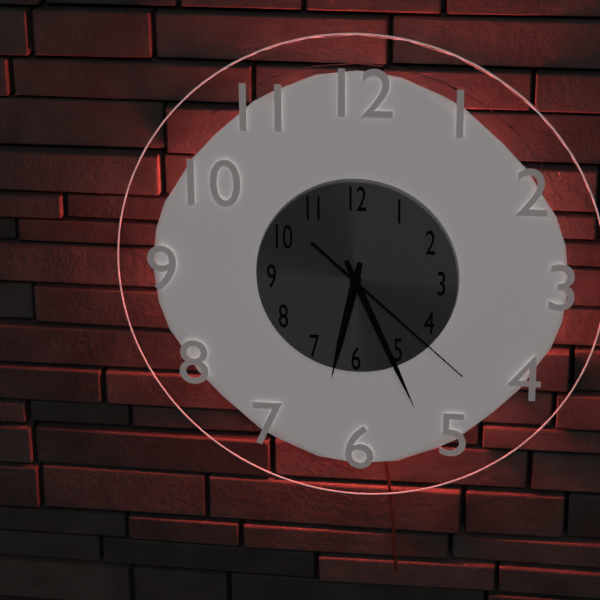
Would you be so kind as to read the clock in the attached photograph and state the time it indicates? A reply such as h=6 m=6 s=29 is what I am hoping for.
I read h=6 m=26 s=22
